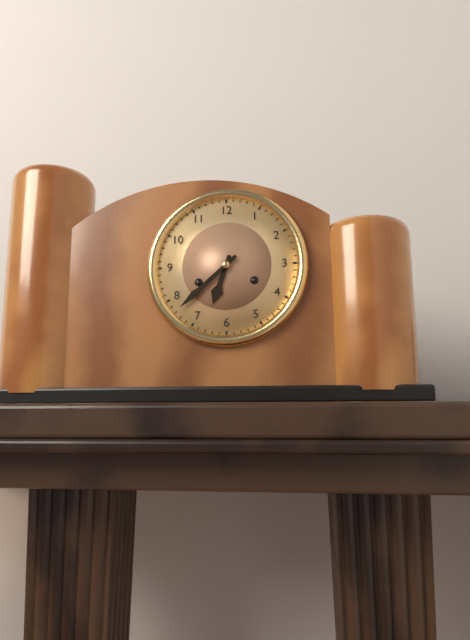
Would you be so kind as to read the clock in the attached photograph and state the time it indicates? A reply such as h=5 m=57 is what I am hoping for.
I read h=6 m=38
